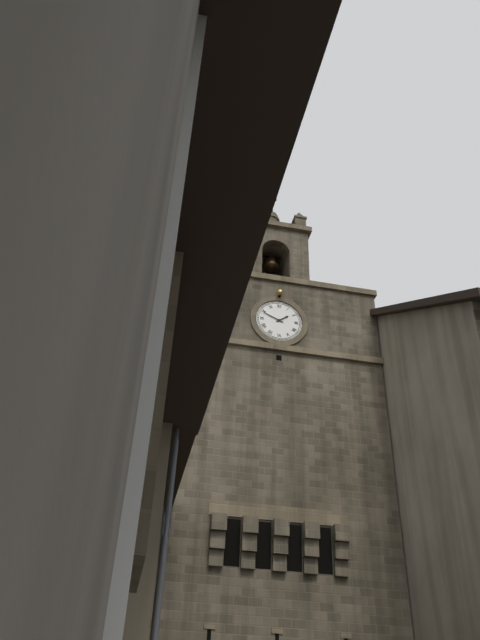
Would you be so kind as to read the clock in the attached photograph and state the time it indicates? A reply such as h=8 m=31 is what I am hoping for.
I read h=1 m=49
